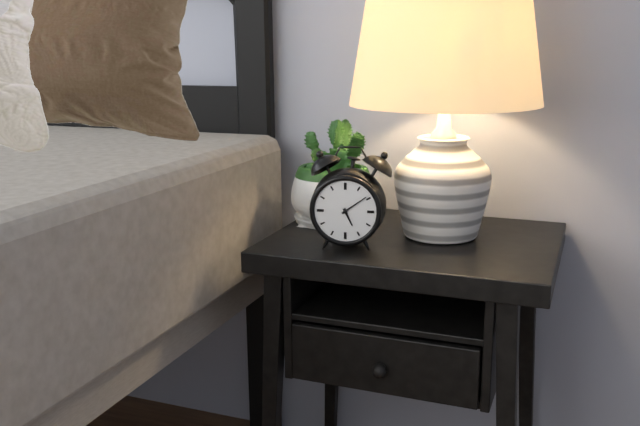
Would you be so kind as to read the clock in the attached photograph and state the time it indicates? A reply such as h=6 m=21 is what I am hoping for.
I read h=5 m=9
